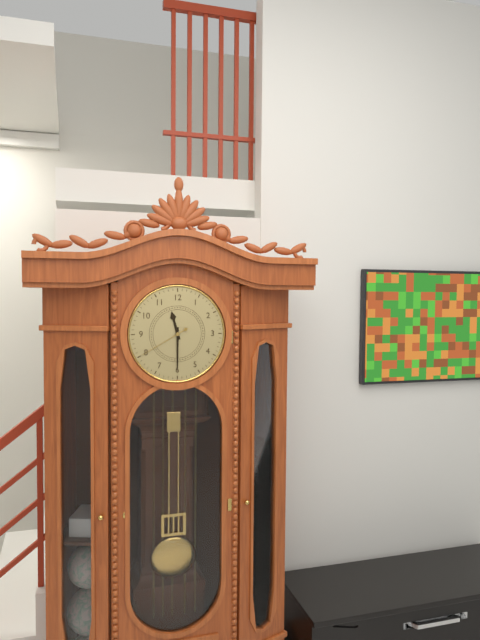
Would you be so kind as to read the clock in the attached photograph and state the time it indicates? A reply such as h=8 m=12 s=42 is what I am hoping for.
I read h=11 m=30 s=40
